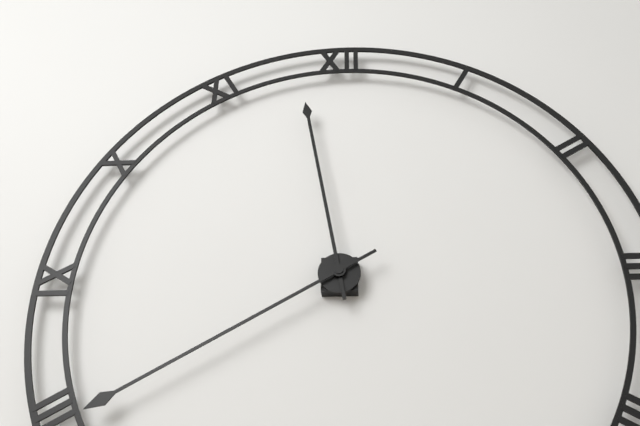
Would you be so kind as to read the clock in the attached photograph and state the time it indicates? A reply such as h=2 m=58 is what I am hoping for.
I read h=11 m=40
